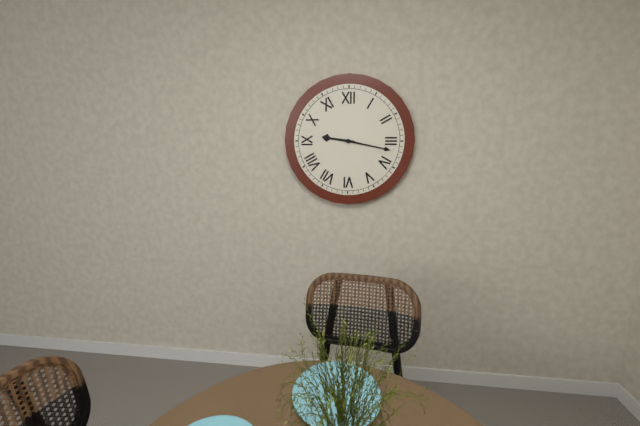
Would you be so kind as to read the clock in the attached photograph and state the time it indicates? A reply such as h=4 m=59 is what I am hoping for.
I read h=9 m=17
